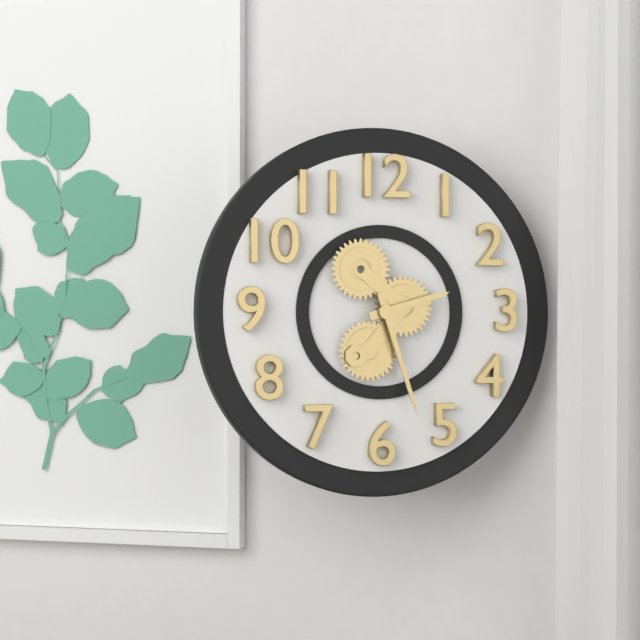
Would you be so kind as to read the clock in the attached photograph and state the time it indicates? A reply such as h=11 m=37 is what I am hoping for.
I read h=2 m=27
